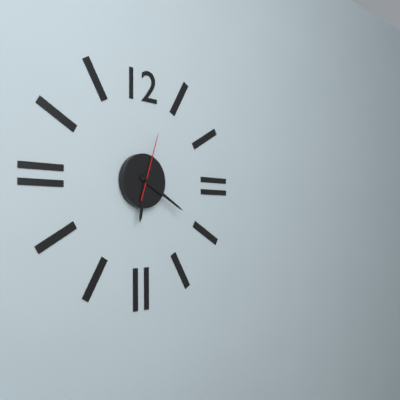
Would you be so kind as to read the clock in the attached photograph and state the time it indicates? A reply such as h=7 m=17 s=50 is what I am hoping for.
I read h=6 m=20 s=3
